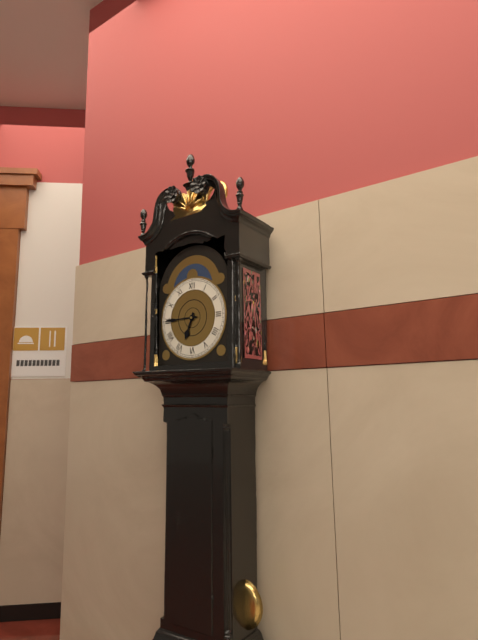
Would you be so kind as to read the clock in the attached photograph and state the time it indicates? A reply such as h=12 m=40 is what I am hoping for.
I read h=6 m=45
